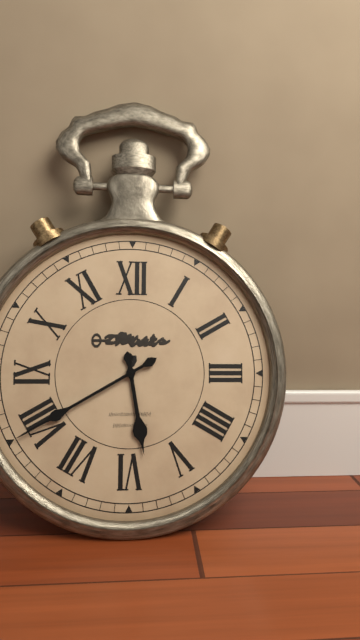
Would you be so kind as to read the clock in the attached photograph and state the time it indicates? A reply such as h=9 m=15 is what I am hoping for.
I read h=5 m=40
